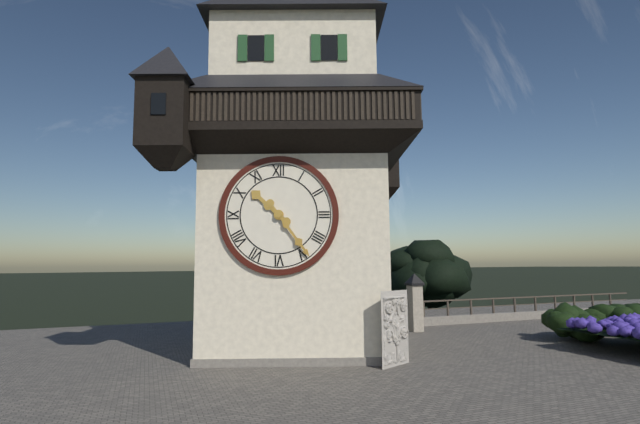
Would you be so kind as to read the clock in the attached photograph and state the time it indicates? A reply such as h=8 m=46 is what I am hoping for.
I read h=10 m=24
